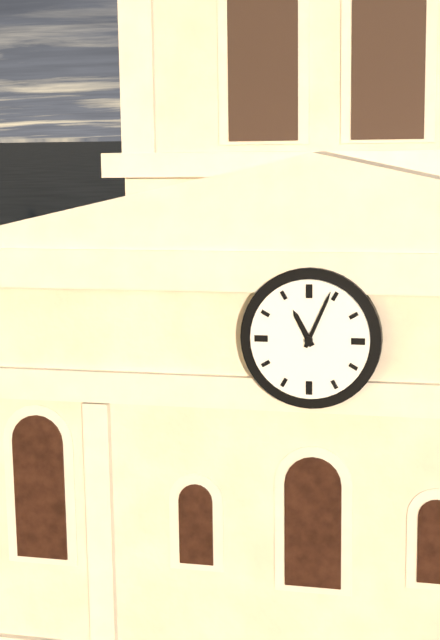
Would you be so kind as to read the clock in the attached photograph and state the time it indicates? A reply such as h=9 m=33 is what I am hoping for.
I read h=11 m=4
